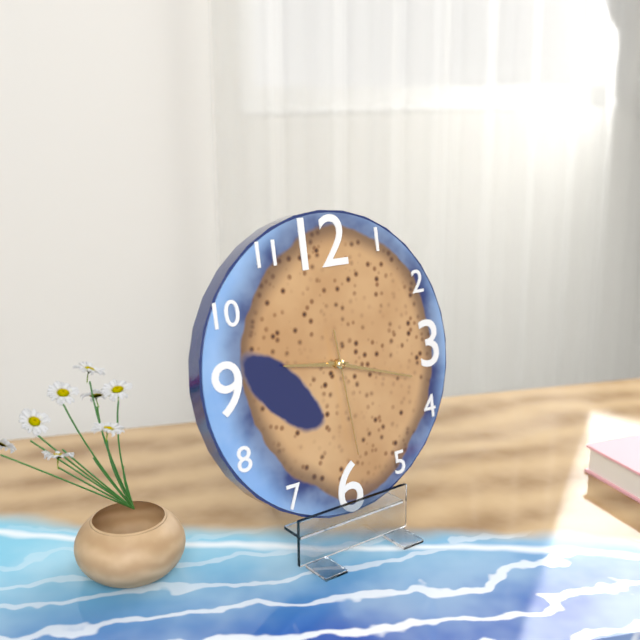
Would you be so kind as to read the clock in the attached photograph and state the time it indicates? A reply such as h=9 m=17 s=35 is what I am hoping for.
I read h=9 m=18 s=29
